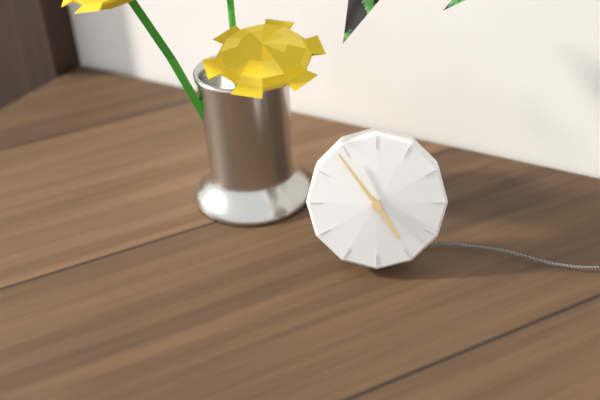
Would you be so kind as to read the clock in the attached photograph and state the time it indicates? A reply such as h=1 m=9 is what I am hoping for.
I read h=4 m=54
